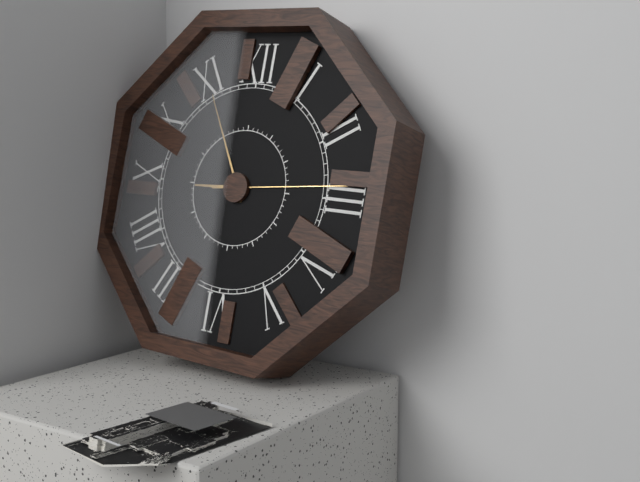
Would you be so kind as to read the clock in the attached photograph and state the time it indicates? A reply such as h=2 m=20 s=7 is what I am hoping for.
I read h=8 m=55 s=14
